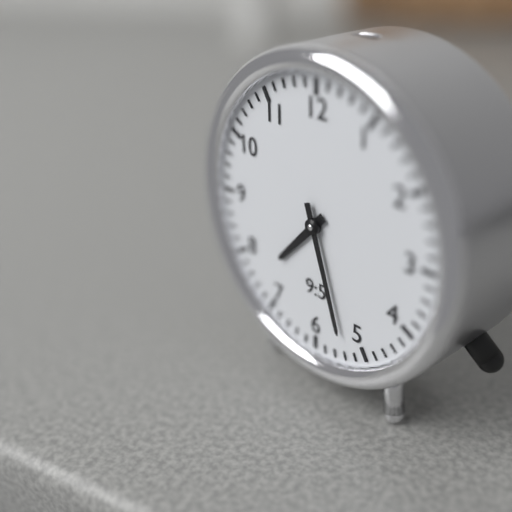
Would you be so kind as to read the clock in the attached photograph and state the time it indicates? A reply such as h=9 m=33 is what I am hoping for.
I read h=7 m=27
